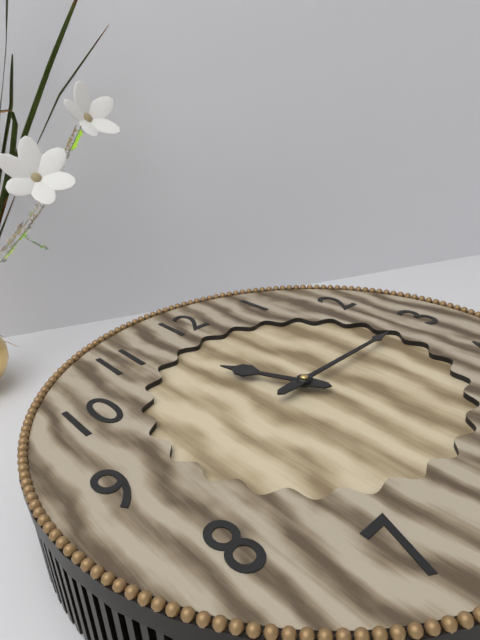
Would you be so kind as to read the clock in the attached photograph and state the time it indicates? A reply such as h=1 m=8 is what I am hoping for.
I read h=11 m=15
